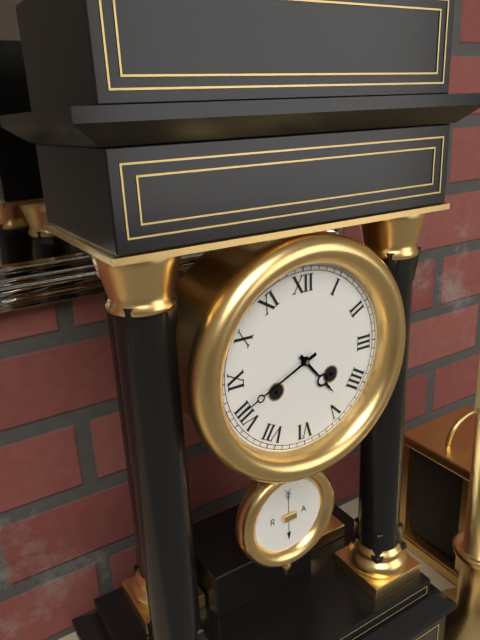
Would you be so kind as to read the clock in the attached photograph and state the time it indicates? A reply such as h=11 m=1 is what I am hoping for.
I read h=4 m=41
